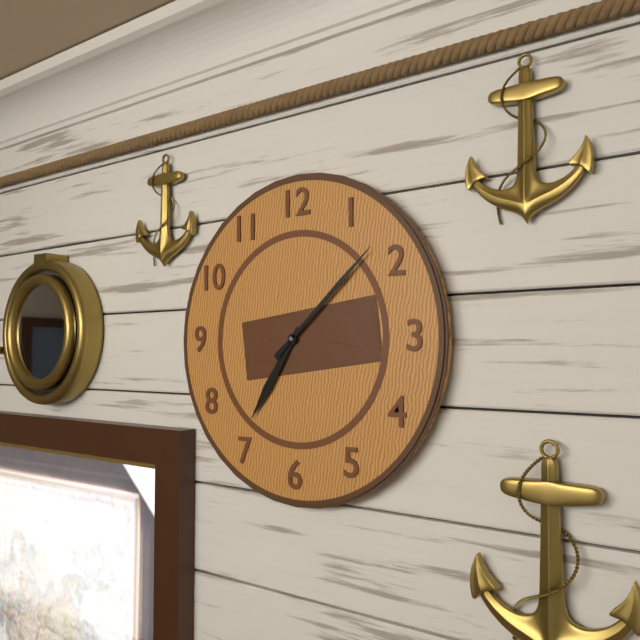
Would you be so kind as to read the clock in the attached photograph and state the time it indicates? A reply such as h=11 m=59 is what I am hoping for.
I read h=7 m=8
